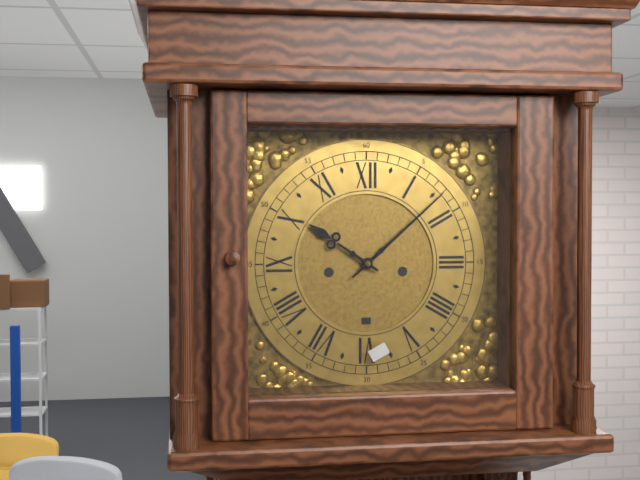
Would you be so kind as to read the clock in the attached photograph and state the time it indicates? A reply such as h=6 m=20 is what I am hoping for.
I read h=10 m=8
